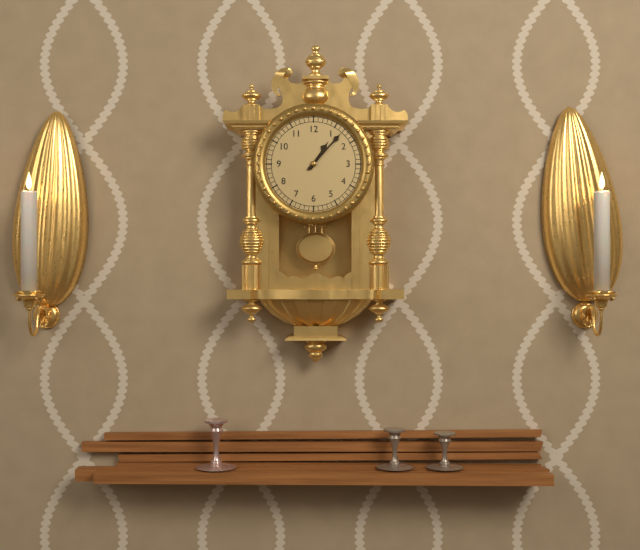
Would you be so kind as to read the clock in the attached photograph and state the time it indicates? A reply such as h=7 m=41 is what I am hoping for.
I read h=1 m=7
